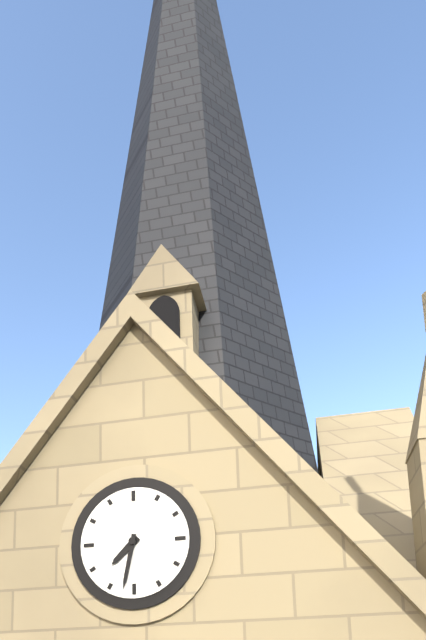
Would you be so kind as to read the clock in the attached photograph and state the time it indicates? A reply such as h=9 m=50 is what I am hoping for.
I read h=7 m=32
